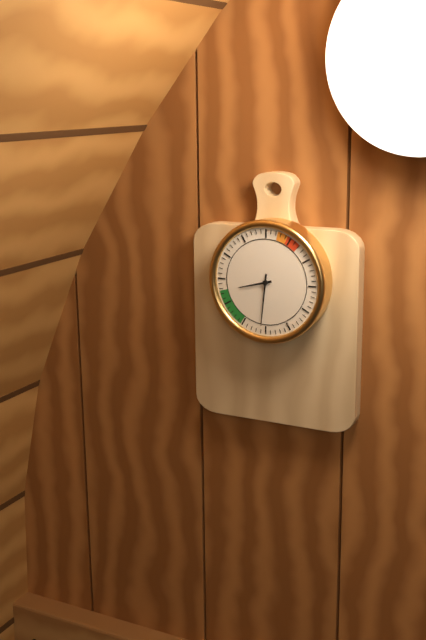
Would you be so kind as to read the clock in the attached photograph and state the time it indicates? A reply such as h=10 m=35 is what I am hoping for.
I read h=8 m=31
